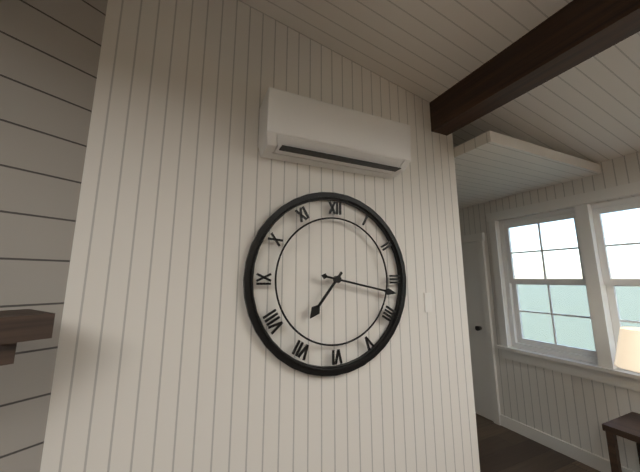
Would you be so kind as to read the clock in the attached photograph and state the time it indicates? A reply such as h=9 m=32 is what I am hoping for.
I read h=7 m=17
